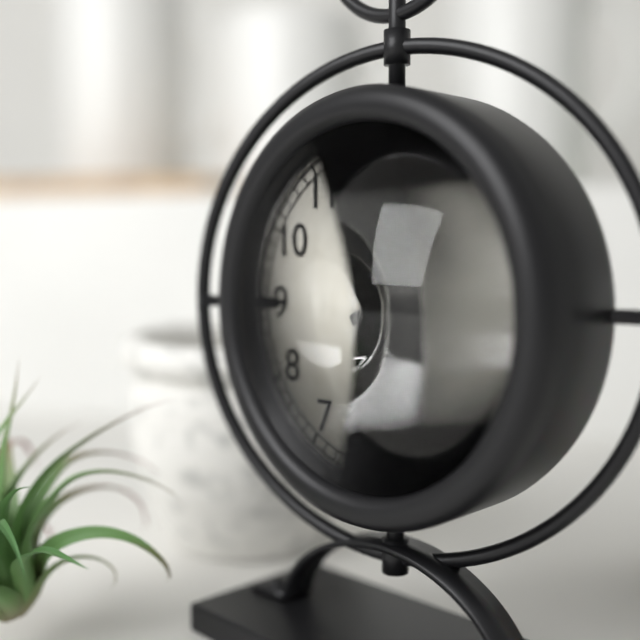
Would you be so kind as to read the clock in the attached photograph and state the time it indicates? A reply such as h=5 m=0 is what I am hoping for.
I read h=2 m=1
